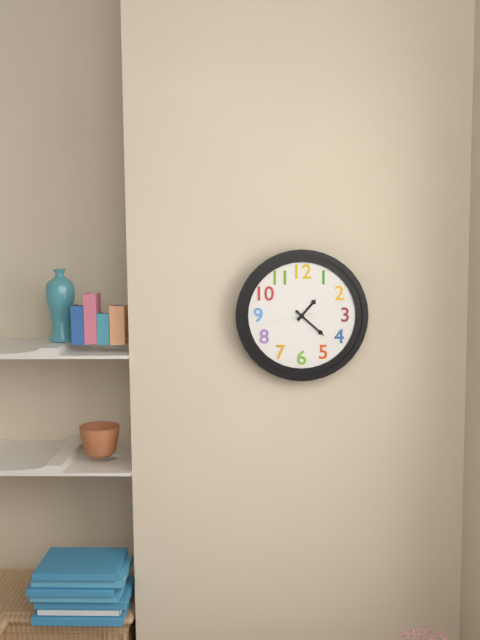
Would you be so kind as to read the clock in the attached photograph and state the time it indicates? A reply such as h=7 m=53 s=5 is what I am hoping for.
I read h=1 m=22 s=43
